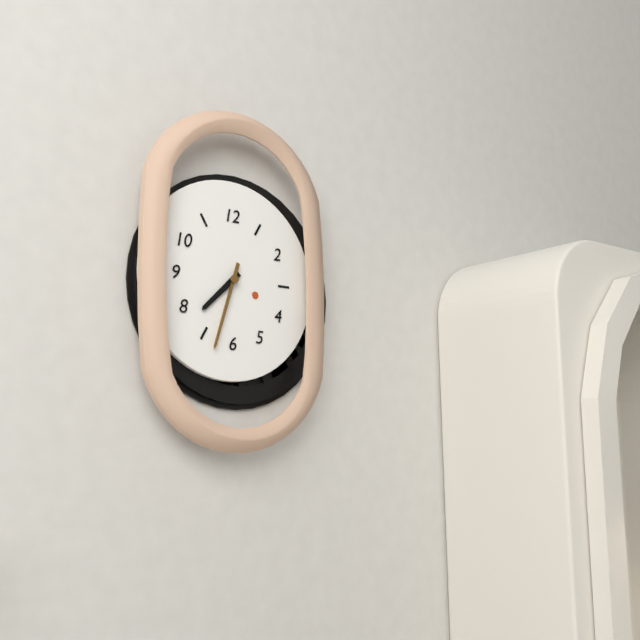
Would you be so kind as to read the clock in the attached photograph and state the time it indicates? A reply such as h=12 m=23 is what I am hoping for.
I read h=7 m=33
